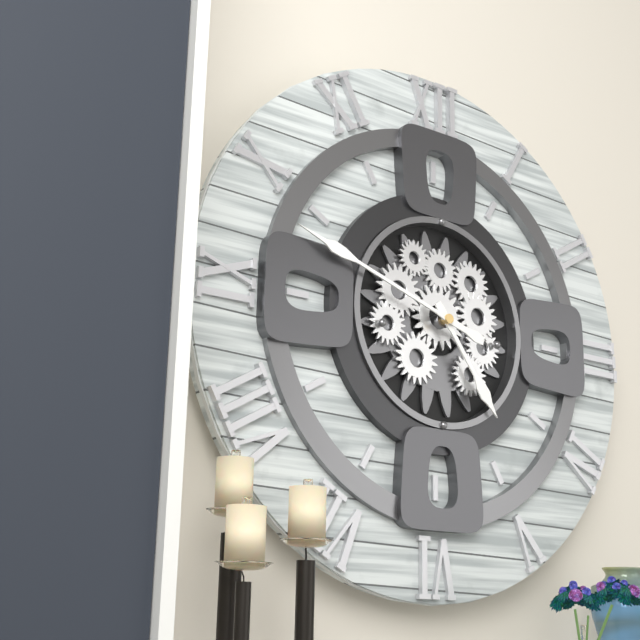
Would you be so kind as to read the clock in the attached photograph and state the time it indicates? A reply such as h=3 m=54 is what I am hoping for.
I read h=4 m=48
